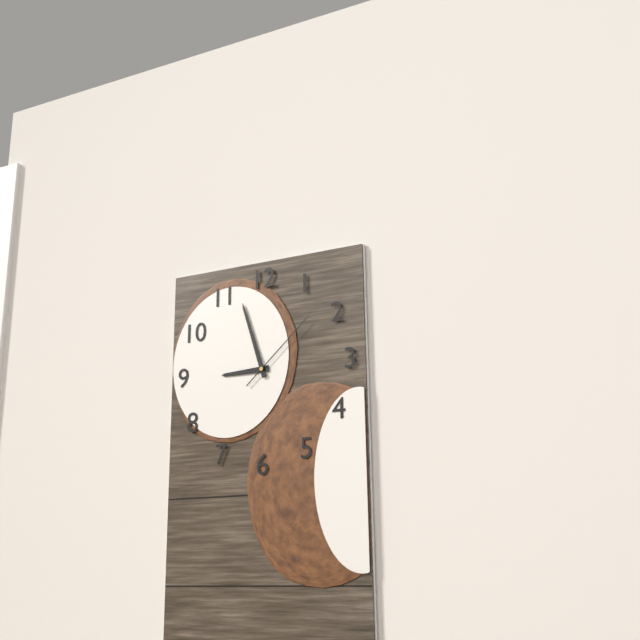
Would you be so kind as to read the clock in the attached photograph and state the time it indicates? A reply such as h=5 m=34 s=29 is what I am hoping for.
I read h=8 m=57 s=8
